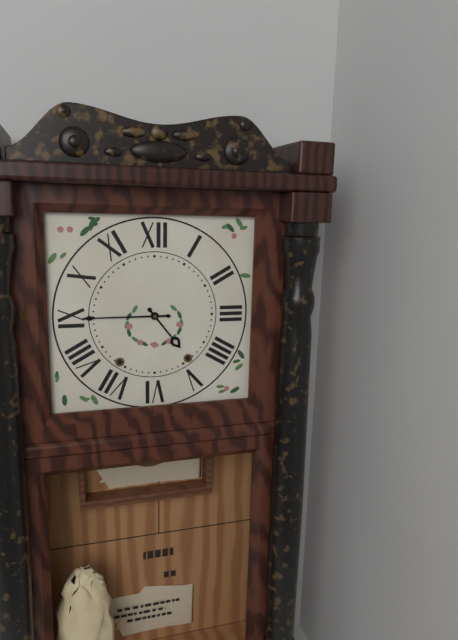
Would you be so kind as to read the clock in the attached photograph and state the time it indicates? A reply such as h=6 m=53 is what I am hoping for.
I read h=4 m=45
